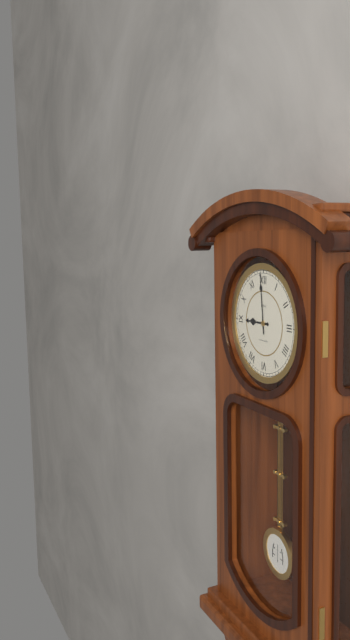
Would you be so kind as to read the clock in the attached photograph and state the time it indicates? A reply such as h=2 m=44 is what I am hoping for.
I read h=8 m=59
